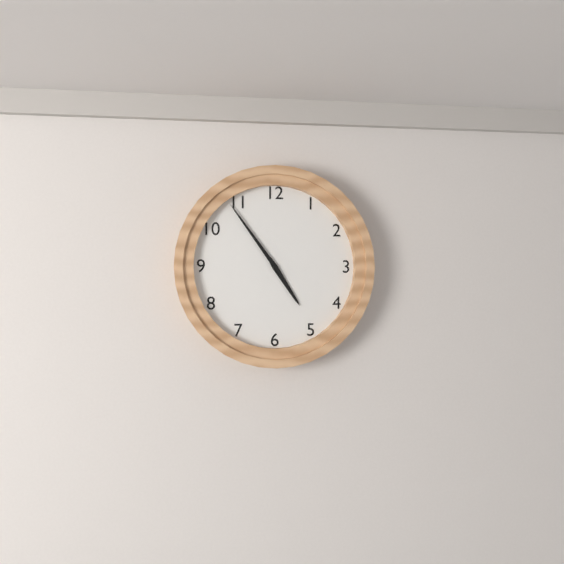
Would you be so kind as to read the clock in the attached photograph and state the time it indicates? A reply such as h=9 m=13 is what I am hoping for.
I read h=4 m=54
